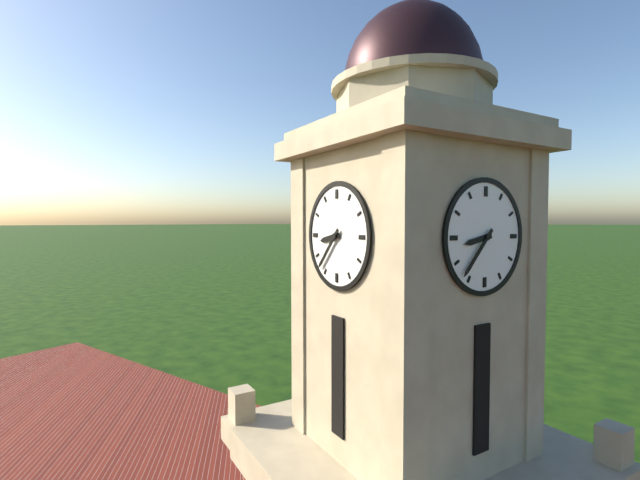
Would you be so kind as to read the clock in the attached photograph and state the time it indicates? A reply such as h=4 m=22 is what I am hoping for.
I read h=8 m=37
